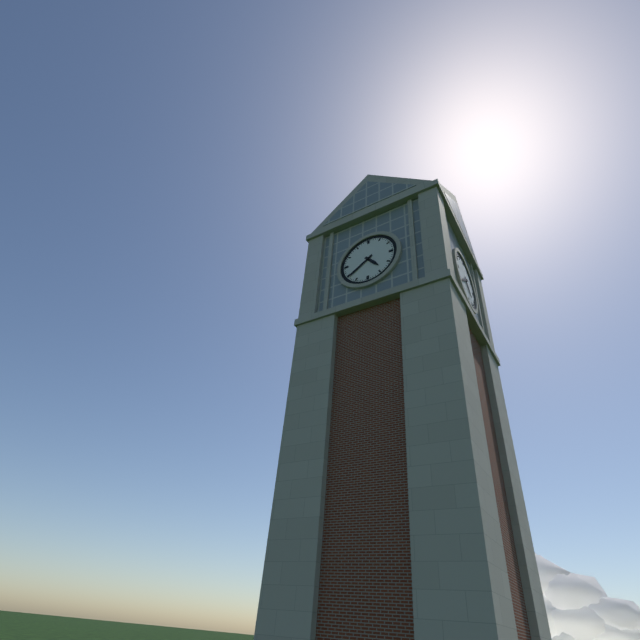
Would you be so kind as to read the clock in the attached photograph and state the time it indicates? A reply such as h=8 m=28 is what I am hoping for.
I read h=4 m=39
